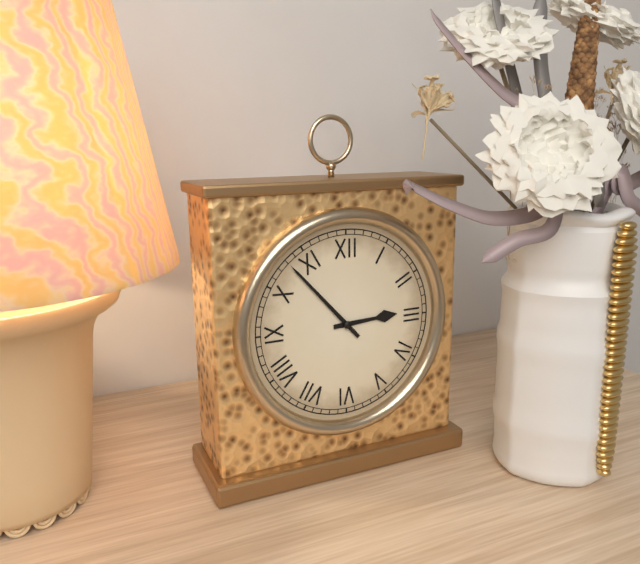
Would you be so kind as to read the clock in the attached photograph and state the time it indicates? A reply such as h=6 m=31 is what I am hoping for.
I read h=2 m=53
